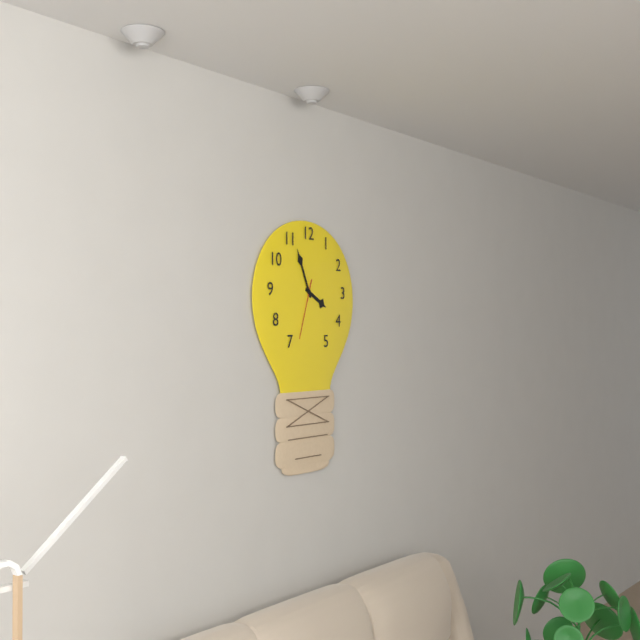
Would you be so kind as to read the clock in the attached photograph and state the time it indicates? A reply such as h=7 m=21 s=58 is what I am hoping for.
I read h=3 m=56 s=33
